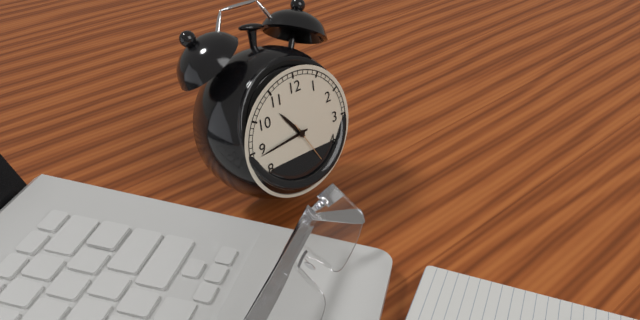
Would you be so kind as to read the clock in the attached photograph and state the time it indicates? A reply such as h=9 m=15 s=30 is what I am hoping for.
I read h=10 m=44 s=25
